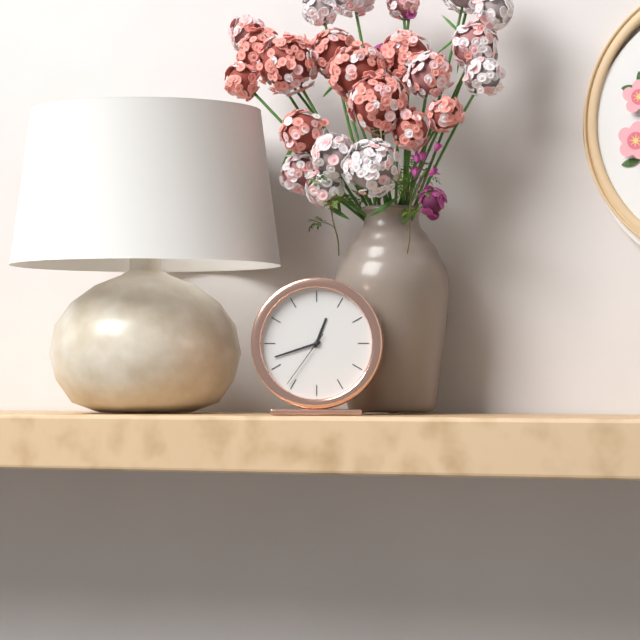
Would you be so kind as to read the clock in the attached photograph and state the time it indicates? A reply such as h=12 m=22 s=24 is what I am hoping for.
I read h=12 m=42 s=36
